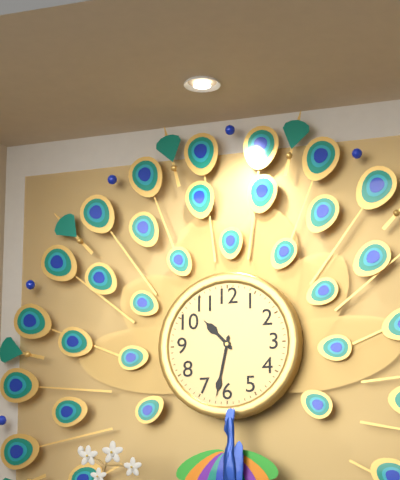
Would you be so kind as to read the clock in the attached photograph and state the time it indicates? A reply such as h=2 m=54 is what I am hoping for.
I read h=10 m=32
